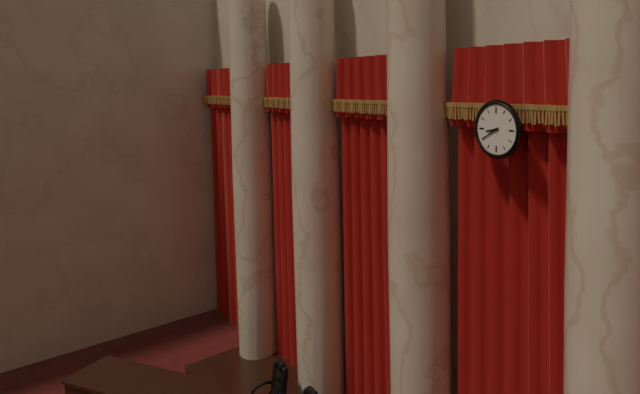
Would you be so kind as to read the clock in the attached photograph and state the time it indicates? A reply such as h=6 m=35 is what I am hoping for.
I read h=8 m=40
